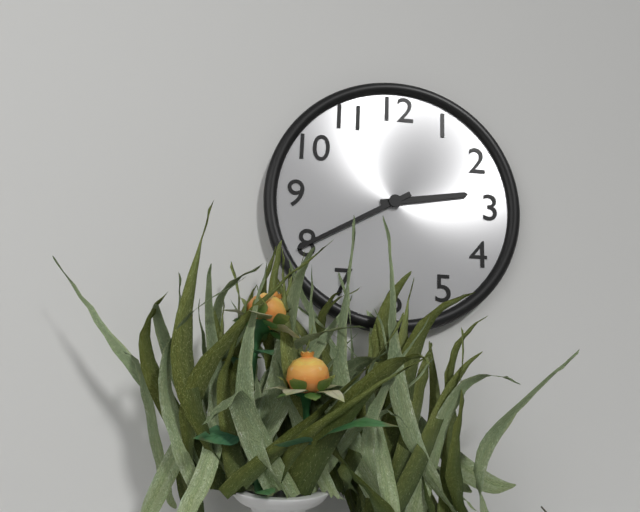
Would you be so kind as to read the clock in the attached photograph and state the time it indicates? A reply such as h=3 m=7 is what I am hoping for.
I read h=2 m=40
